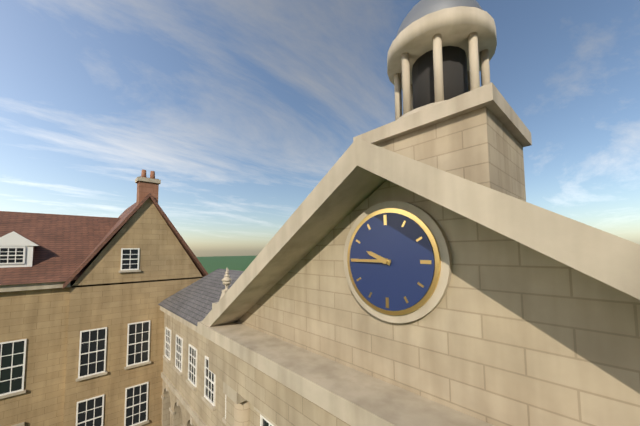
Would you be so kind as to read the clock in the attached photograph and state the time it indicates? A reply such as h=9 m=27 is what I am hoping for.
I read h=9 m=45
